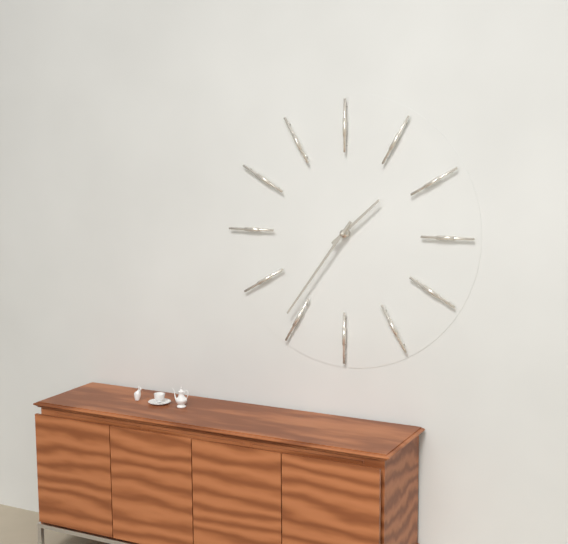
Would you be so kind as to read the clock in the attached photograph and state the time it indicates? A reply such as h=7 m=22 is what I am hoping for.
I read h=1 m=36
